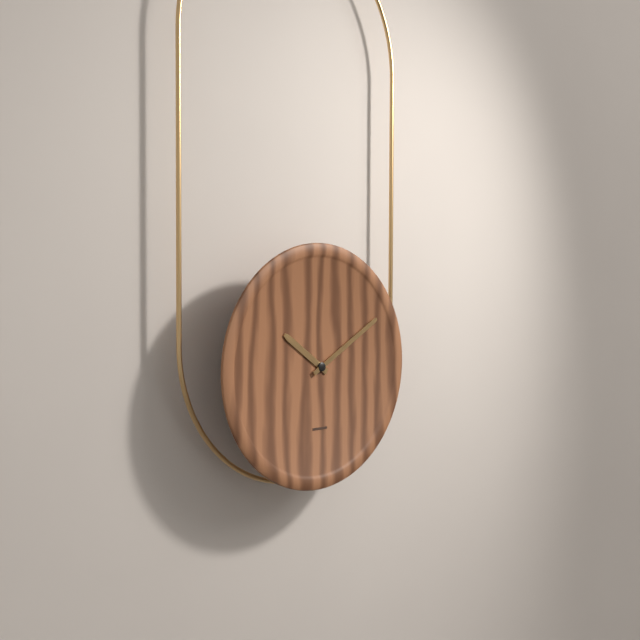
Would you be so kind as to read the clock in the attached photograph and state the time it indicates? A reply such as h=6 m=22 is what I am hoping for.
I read h=10 m=10
